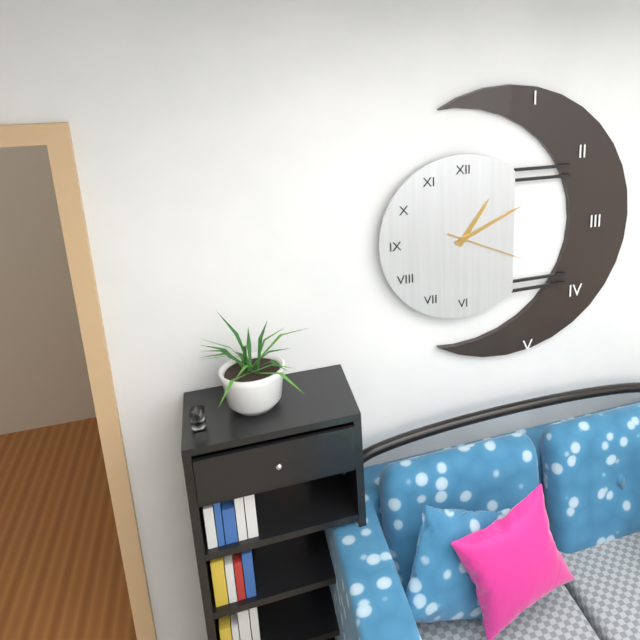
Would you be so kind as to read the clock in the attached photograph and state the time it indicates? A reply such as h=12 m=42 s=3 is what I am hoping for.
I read h=1 m=11 s=19
